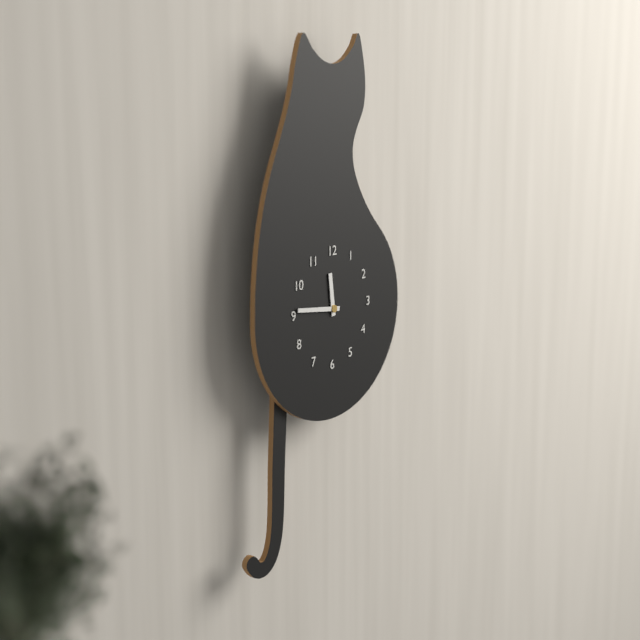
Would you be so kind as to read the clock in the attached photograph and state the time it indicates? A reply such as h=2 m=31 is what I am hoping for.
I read h=11 m=46
